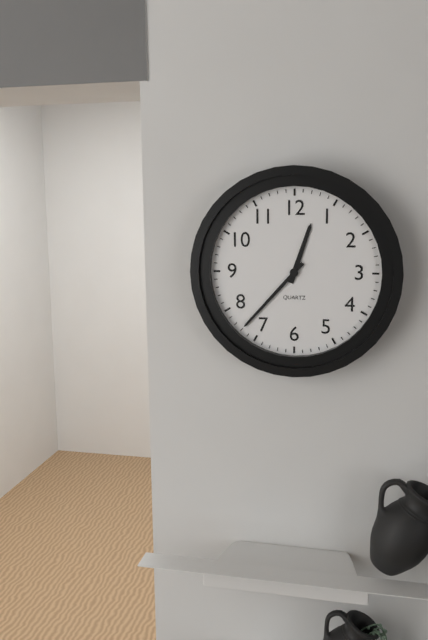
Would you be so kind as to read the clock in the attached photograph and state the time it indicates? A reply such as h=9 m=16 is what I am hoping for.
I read h=12 m=37
